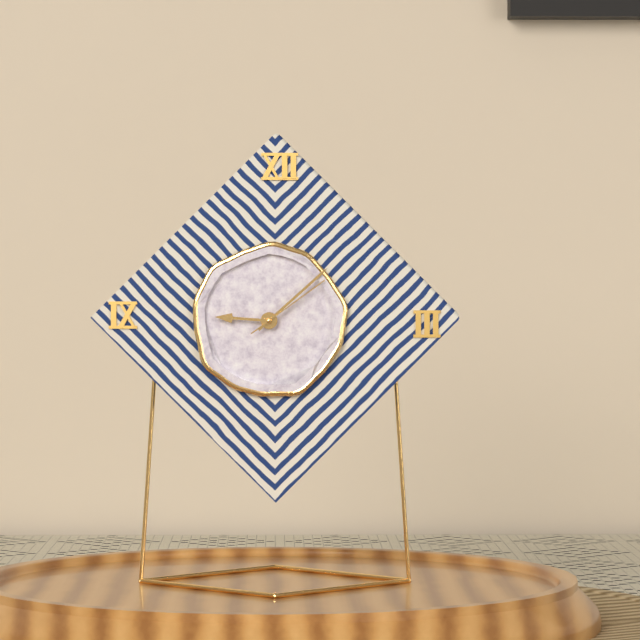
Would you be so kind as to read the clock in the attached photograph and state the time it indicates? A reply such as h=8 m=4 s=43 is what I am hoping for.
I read h=9 m=8 s=9
